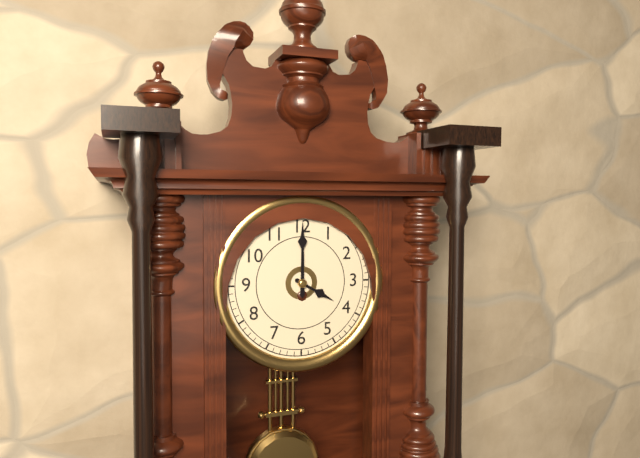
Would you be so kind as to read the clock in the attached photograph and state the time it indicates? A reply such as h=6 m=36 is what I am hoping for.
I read h=4 m=0
